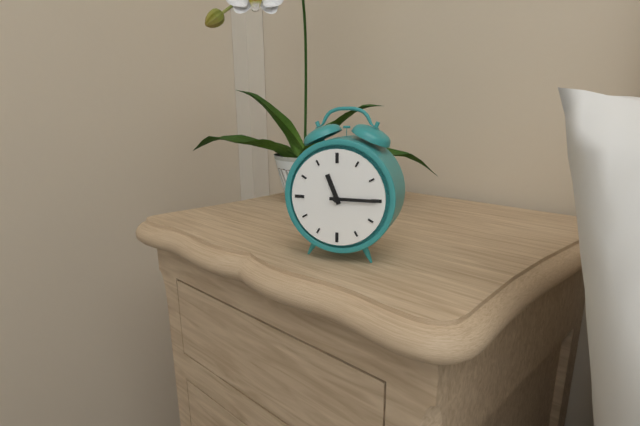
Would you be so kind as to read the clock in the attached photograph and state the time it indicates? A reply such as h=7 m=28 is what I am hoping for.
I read h=11 m=15
